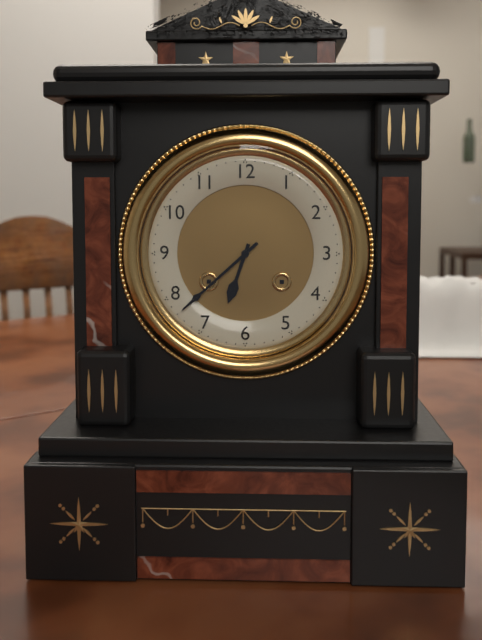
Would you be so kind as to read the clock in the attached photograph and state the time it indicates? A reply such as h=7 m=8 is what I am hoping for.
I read h=6 m=38
